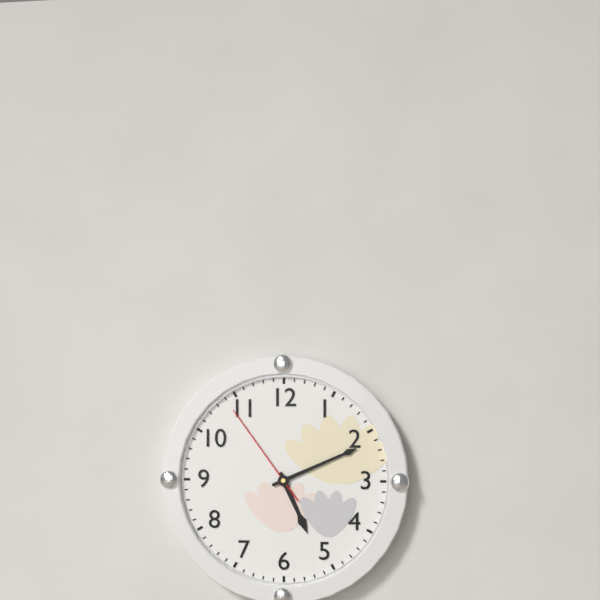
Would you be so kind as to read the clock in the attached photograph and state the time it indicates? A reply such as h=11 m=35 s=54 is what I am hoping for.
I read h=5 m=11 s=54
